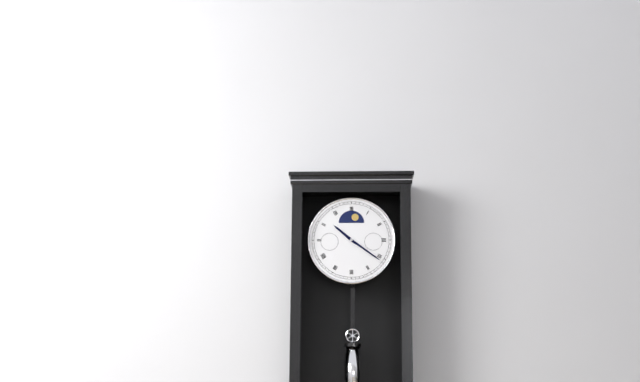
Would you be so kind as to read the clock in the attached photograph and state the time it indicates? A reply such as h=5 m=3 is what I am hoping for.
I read h=10 m=21
